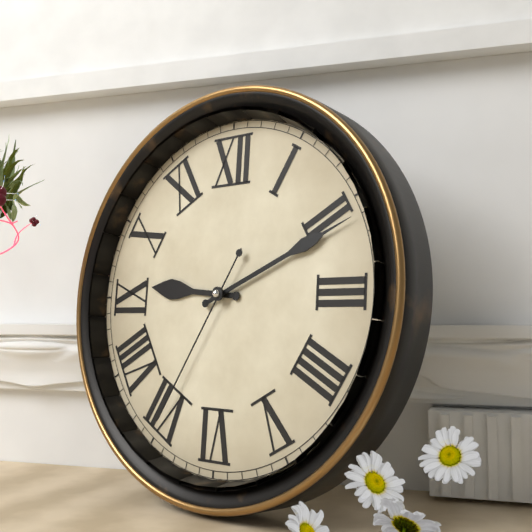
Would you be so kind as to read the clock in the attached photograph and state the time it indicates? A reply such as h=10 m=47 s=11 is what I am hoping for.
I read h=9 m=11 s=35
